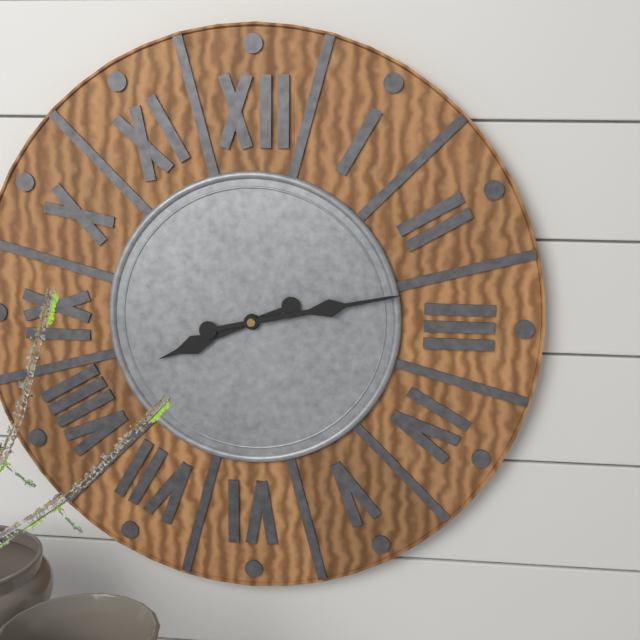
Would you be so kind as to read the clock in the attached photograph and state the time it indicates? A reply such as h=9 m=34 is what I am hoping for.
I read h=8 m=13
